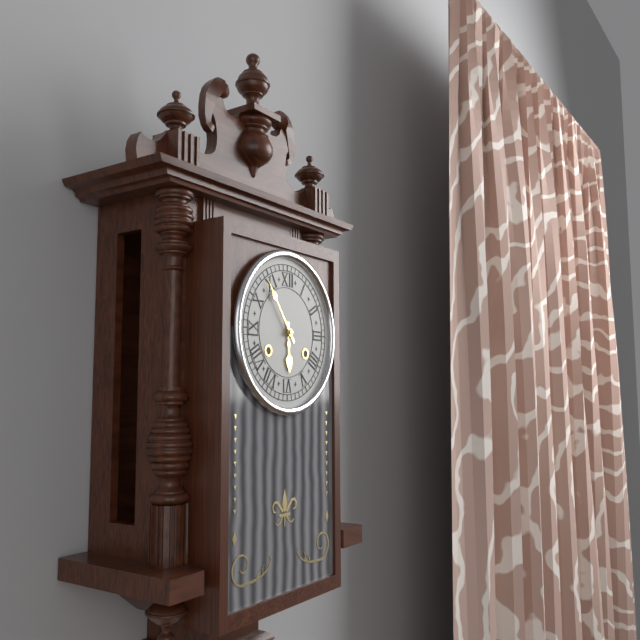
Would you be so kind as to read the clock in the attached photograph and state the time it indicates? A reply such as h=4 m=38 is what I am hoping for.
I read h=5 m=54
